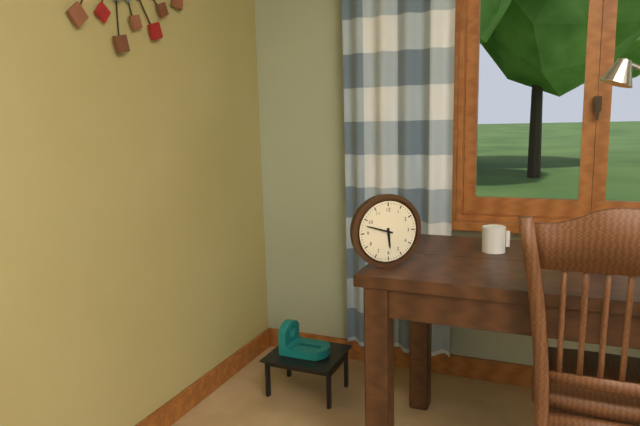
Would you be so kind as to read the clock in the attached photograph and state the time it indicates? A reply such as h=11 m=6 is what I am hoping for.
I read h=5 m=48
